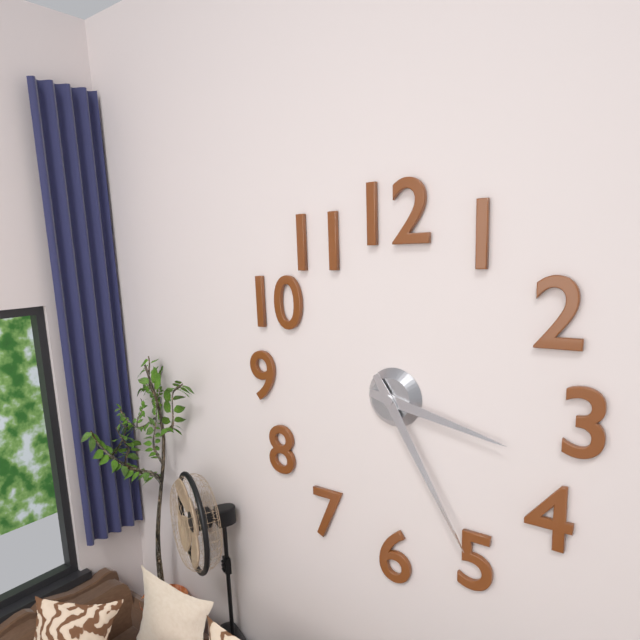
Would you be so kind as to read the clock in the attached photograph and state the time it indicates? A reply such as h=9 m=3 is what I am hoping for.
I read h=3 m=25
